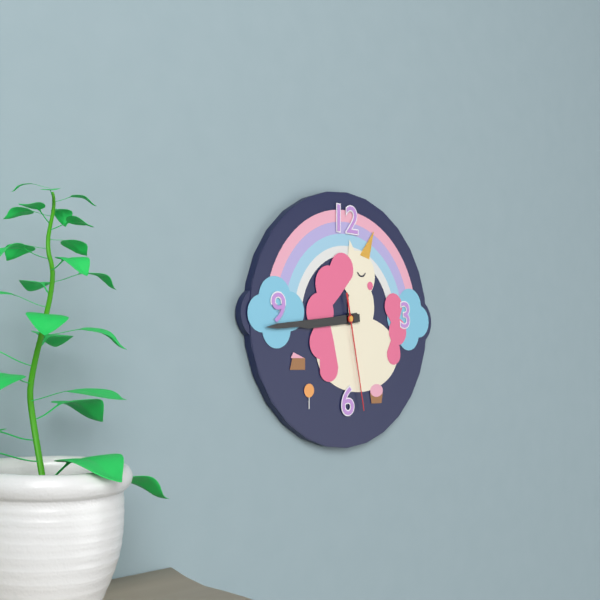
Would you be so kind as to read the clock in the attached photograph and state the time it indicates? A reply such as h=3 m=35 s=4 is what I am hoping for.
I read h=8 m=44 s=28
